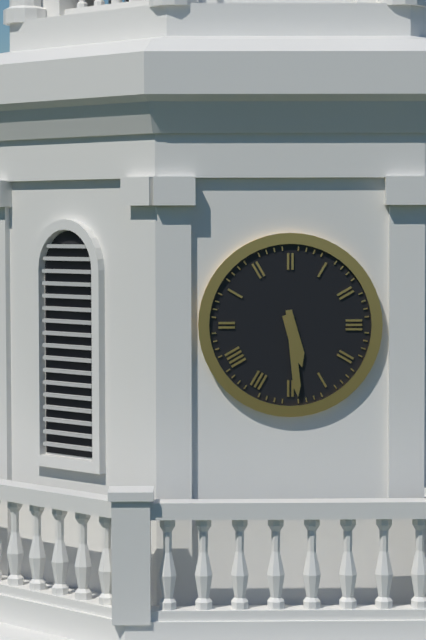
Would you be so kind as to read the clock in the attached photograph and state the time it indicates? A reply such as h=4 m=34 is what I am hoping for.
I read h=5 m=29
